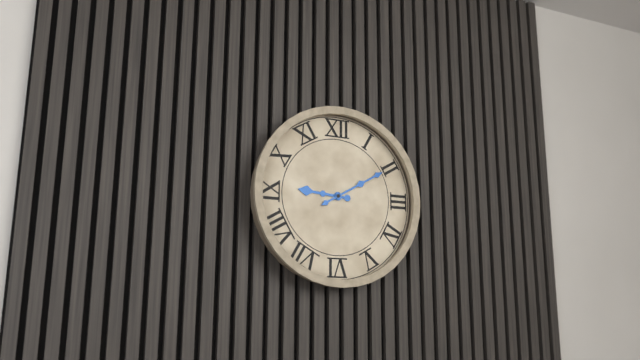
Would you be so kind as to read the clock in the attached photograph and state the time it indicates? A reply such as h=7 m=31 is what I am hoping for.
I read h=9 m=10
